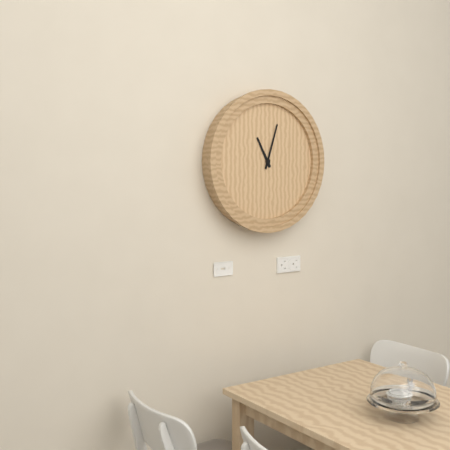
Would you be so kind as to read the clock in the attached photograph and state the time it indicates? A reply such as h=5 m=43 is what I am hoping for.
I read h=11 m=3
